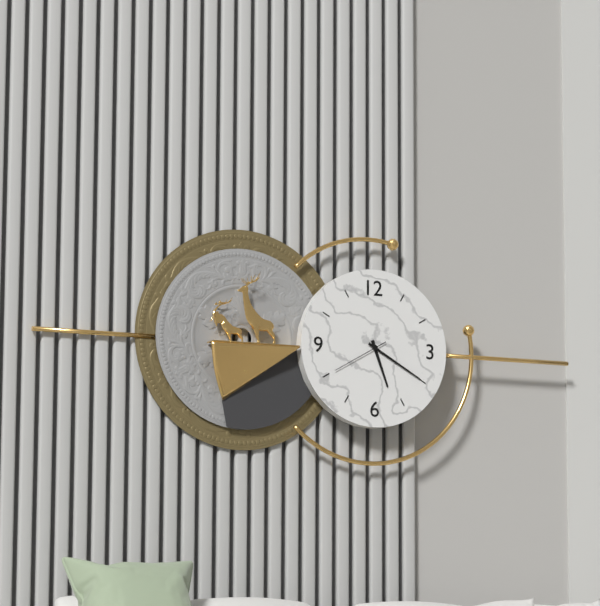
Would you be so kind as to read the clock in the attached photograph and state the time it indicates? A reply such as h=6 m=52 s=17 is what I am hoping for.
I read h=5 m=20 s=40
